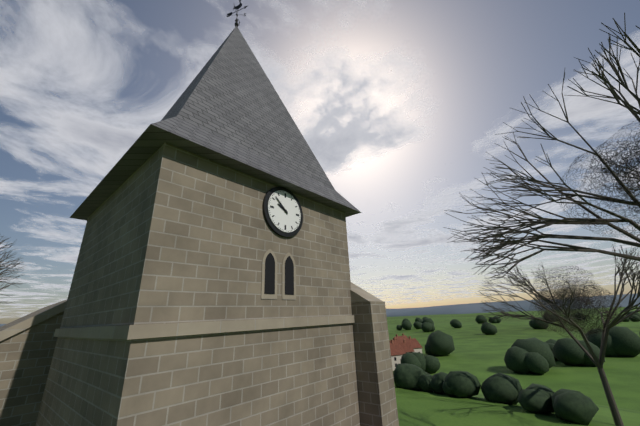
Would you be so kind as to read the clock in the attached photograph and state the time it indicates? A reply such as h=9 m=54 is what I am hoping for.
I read h=9 m=52
